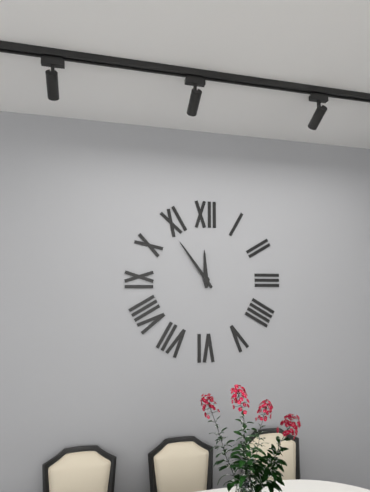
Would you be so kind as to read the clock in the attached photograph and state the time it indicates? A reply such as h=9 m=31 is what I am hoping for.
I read h=11 m=54
